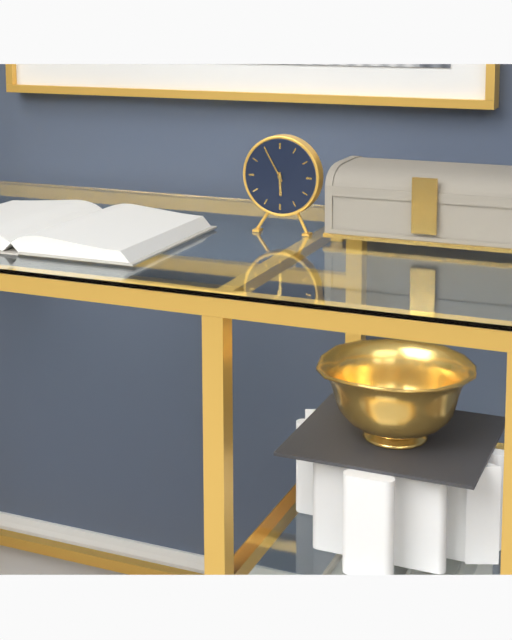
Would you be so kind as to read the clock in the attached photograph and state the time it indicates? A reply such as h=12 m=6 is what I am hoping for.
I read h=5 m=55
